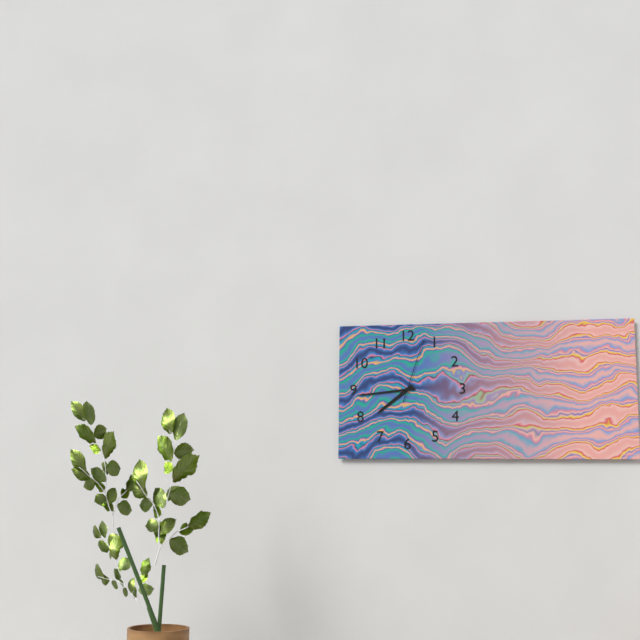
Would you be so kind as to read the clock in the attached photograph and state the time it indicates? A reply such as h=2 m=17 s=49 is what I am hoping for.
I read h=7 m=44 s=3
